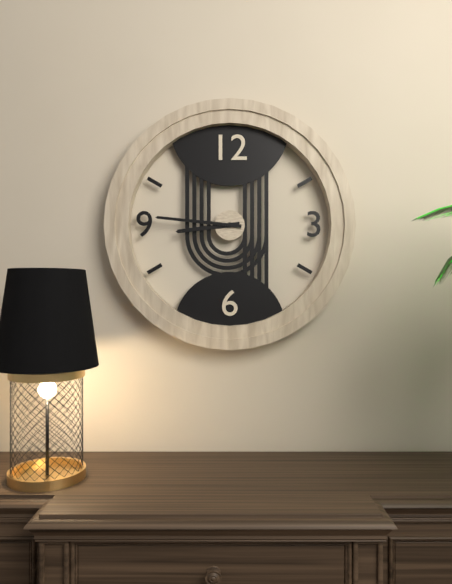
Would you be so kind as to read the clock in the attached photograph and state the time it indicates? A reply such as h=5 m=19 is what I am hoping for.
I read h=8 m=46
